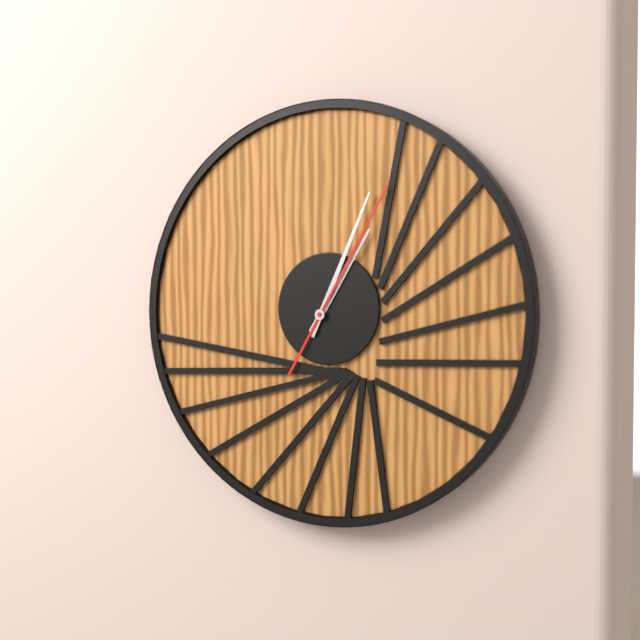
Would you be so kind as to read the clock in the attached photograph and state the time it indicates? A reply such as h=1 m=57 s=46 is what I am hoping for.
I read h=1 m=4 s=5
